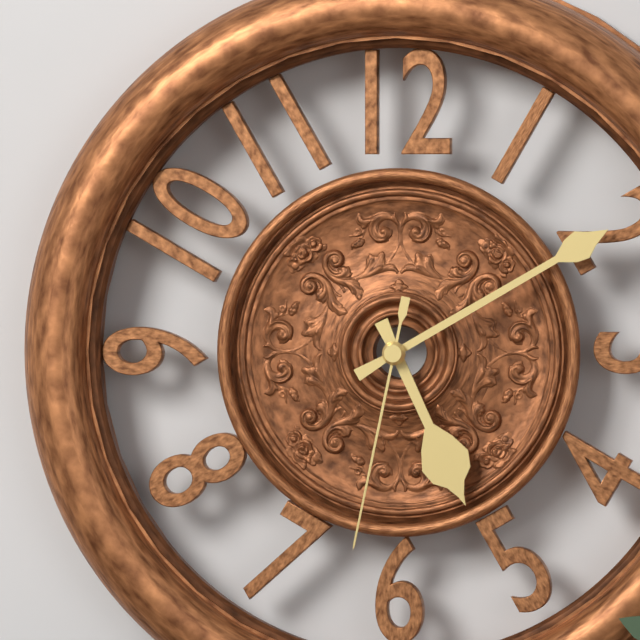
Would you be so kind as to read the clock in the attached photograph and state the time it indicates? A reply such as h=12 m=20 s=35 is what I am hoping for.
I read h=5 m=10 s=32
